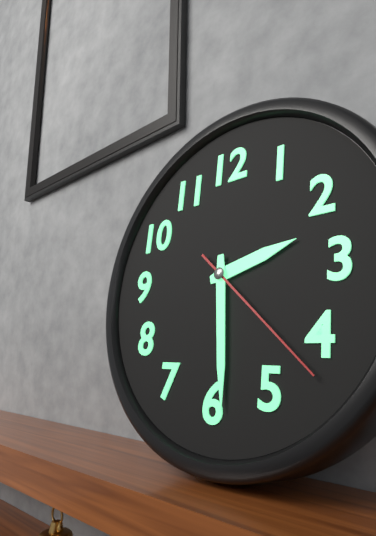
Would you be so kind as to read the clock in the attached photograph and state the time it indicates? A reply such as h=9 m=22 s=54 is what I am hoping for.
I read h=2 m=29 s=22
